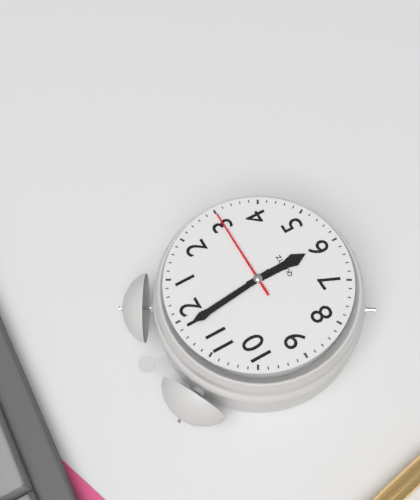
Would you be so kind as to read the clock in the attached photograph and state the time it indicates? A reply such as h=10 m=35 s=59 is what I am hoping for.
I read h=5 m=59 s=15
